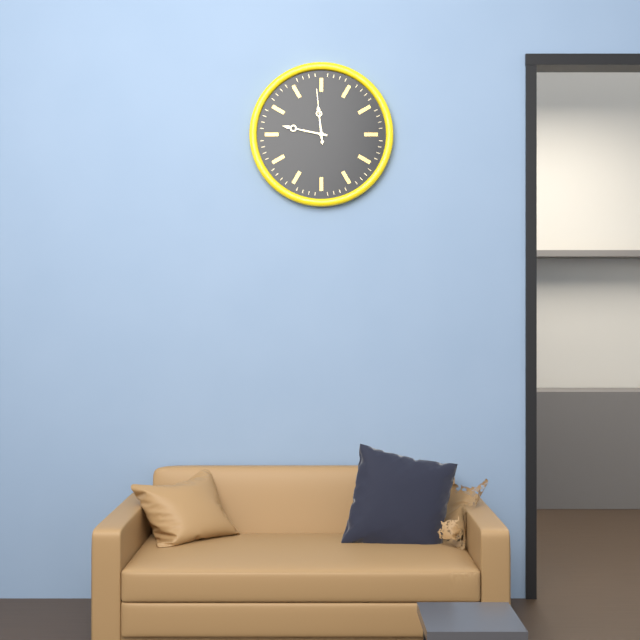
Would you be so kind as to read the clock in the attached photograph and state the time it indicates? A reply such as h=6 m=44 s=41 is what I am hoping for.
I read h=11 m=47 s=59
